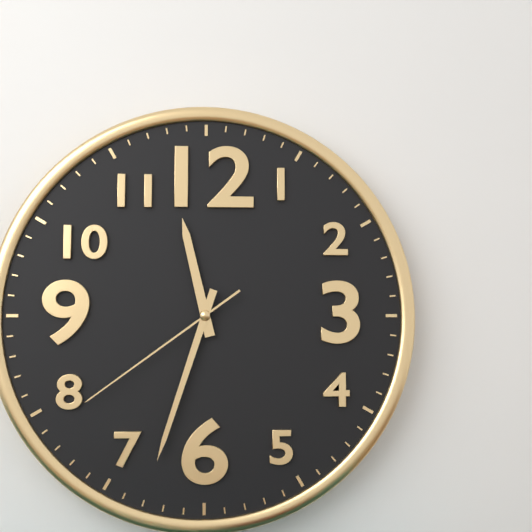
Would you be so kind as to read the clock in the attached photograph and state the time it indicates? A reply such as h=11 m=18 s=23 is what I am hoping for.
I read h=11 m=33 s=39
